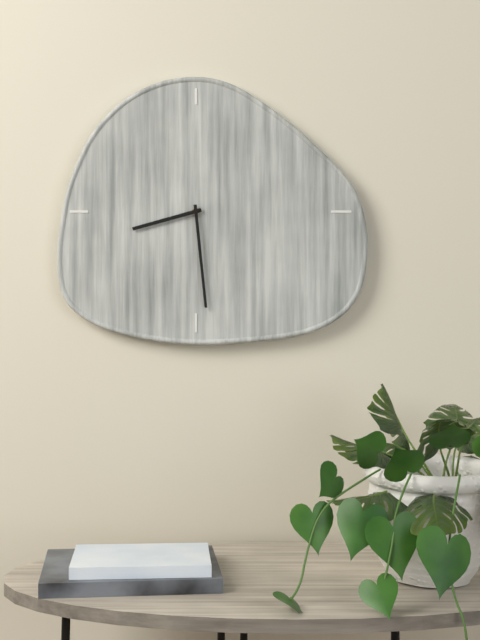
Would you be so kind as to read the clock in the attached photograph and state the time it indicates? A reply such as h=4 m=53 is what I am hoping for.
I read h=8 m=29
